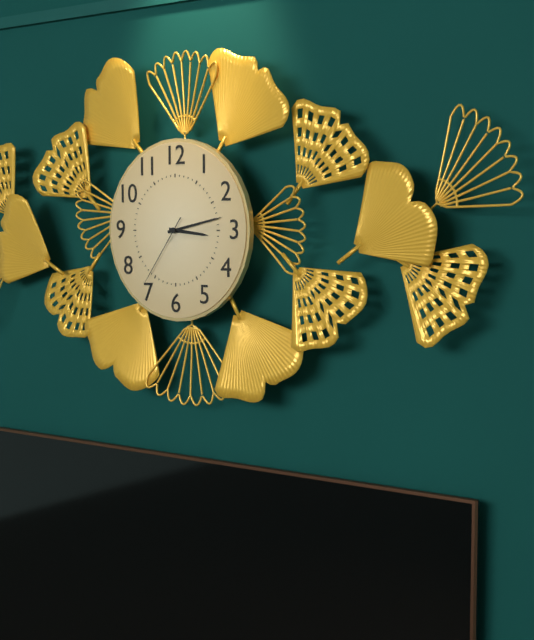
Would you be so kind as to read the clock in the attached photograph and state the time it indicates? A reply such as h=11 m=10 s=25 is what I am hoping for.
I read h=3 m=13 s=36
